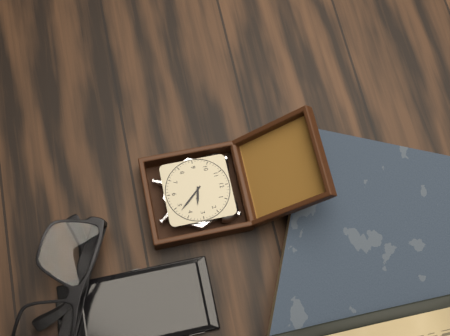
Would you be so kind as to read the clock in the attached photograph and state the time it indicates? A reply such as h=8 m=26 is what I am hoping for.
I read h=3 m=23
